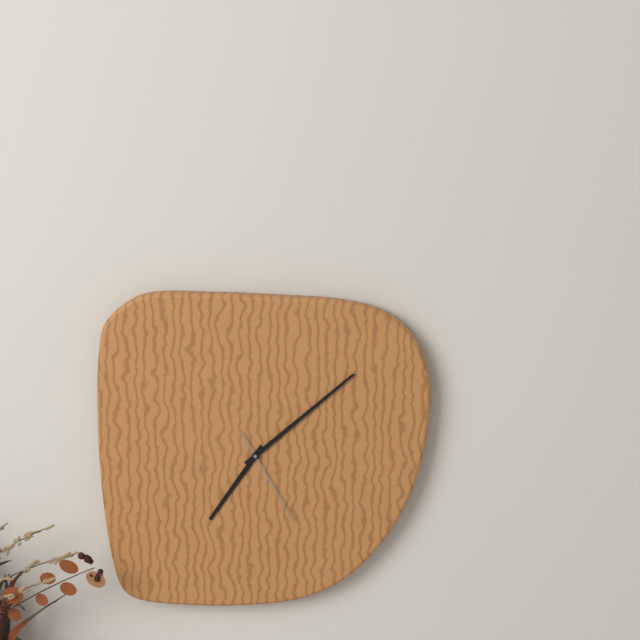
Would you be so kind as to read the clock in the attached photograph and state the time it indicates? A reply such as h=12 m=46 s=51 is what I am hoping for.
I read h=7 m=8 s=25
